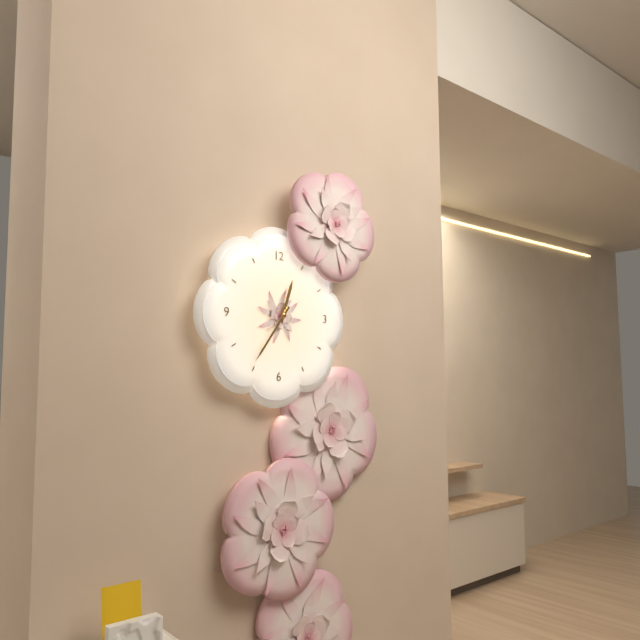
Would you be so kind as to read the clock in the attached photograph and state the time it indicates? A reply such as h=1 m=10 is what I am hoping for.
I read h=12 m=36
